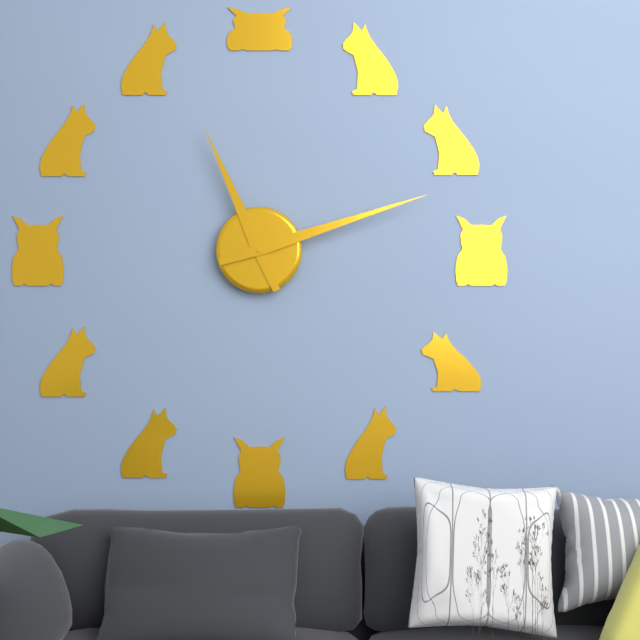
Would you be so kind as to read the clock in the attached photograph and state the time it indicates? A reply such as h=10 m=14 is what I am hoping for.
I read h=11 m=12
